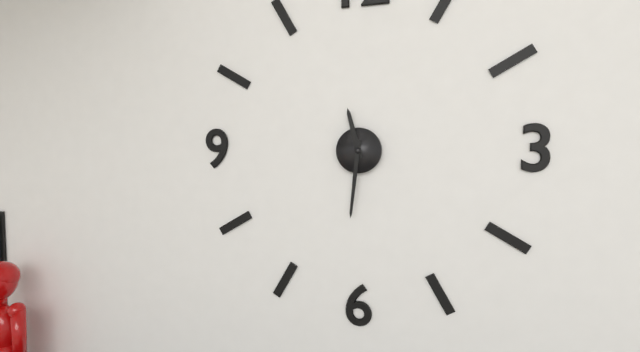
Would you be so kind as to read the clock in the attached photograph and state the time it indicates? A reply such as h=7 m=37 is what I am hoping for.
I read h=11 m=31
